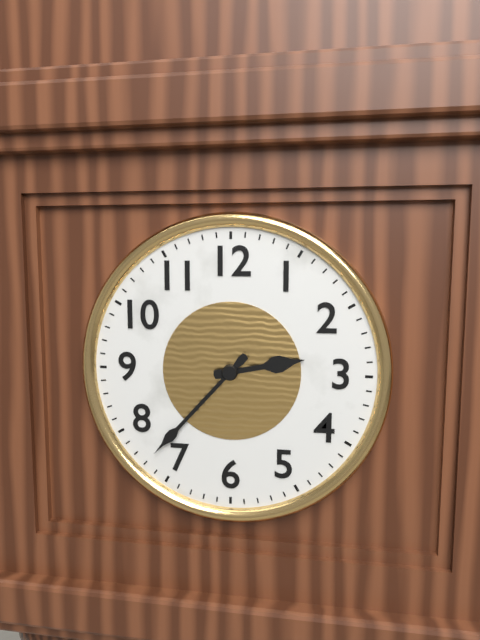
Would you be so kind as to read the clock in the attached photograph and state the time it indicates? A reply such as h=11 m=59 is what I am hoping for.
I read h=2 m=37
